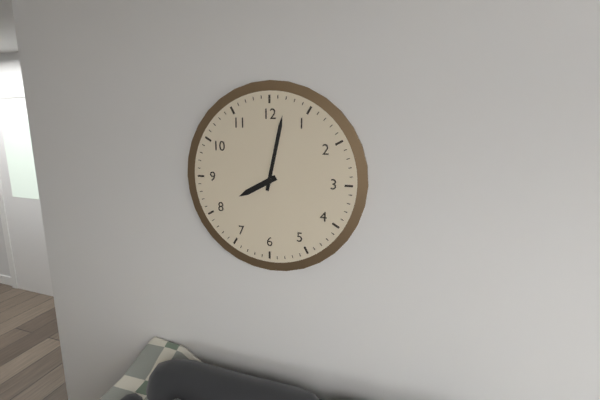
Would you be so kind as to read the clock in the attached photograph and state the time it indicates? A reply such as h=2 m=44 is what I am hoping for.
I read h=8 m=2
